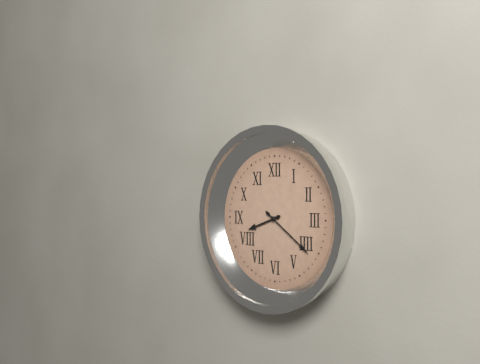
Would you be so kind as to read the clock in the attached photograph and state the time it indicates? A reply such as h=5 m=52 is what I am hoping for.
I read h=8 m=21
